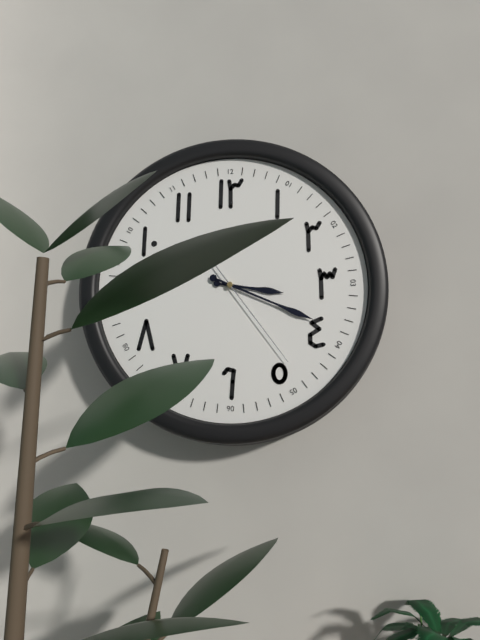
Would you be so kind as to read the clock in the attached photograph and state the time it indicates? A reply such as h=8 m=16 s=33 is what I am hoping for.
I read h=3 m=19 s=24
